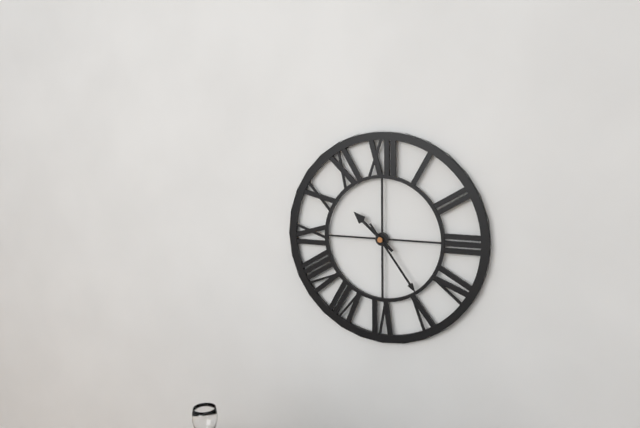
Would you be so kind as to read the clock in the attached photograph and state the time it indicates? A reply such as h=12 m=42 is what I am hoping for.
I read h=10 m=24
